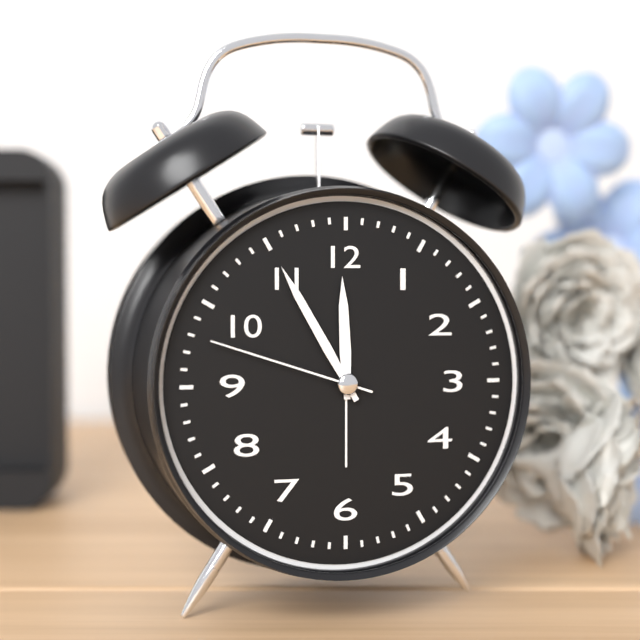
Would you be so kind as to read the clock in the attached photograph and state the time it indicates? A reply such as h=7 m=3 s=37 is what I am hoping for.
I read h=11 m=55 s=48
